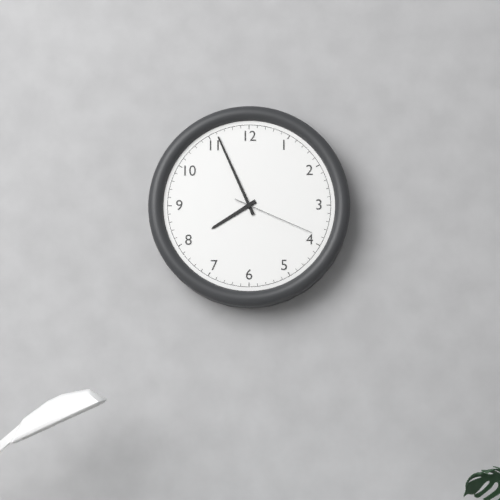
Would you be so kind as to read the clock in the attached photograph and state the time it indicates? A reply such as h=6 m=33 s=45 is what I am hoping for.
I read h=7 m=56 s=19
